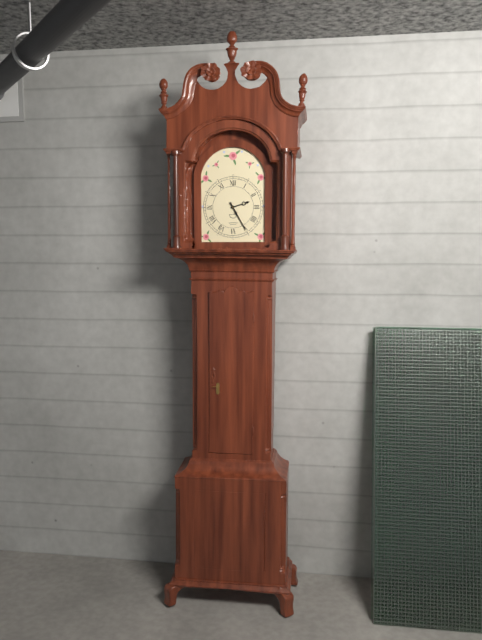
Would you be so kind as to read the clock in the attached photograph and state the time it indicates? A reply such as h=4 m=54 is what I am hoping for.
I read h=2 m=25
